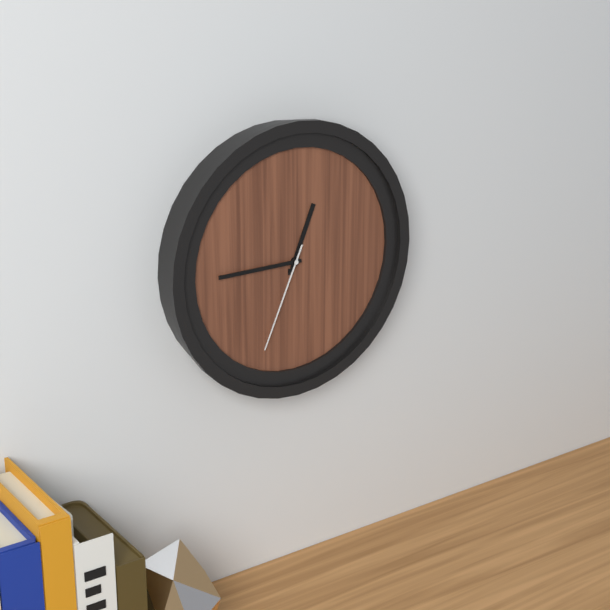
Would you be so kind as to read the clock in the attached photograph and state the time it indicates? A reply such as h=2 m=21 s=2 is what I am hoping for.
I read h=12 m=45 s=34
